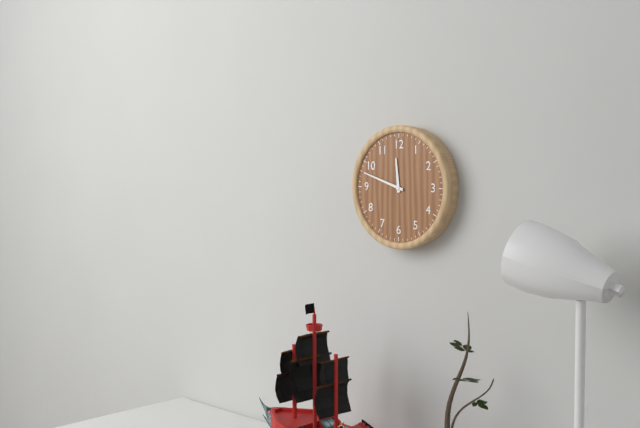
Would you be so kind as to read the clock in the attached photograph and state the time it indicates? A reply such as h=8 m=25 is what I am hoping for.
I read h=11 m=48
